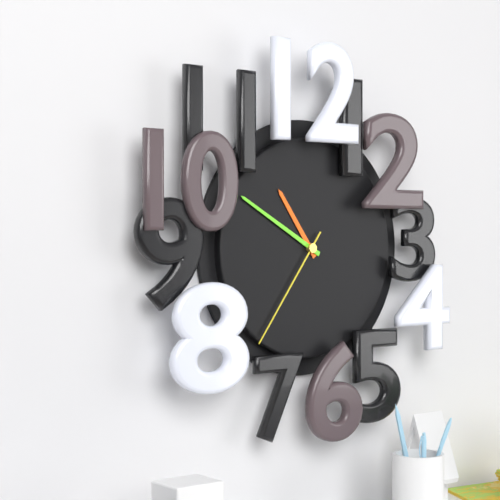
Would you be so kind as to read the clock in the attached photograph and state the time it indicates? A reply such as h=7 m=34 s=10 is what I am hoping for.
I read h=10 m=50 s=36
